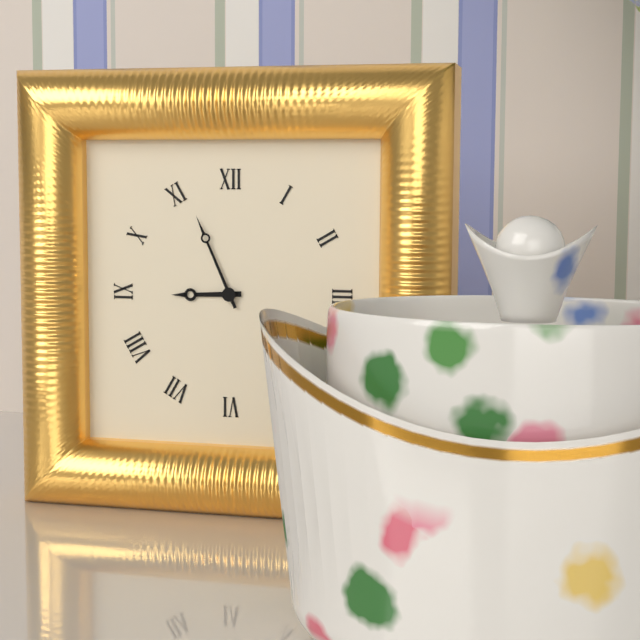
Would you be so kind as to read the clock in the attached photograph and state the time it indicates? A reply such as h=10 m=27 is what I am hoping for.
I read h=8 m=56
